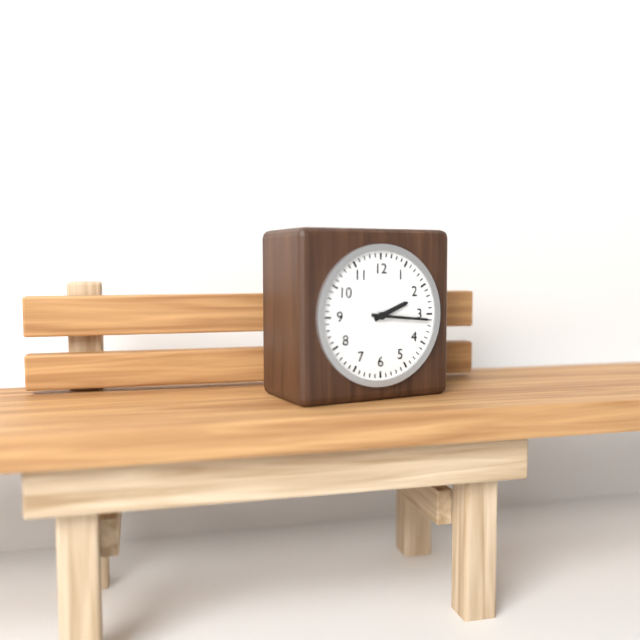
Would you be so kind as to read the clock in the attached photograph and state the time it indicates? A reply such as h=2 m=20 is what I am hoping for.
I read h=2 m=16
